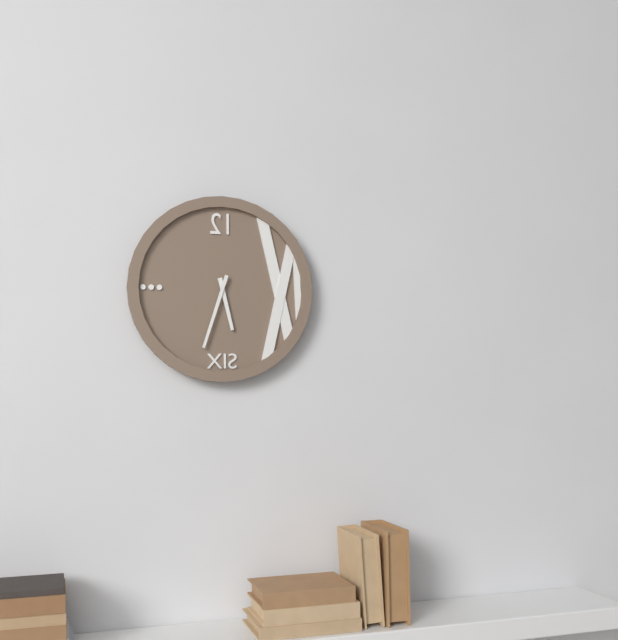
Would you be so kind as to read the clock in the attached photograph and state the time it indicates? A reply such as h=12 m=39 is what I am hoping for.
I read h=5 m=33
